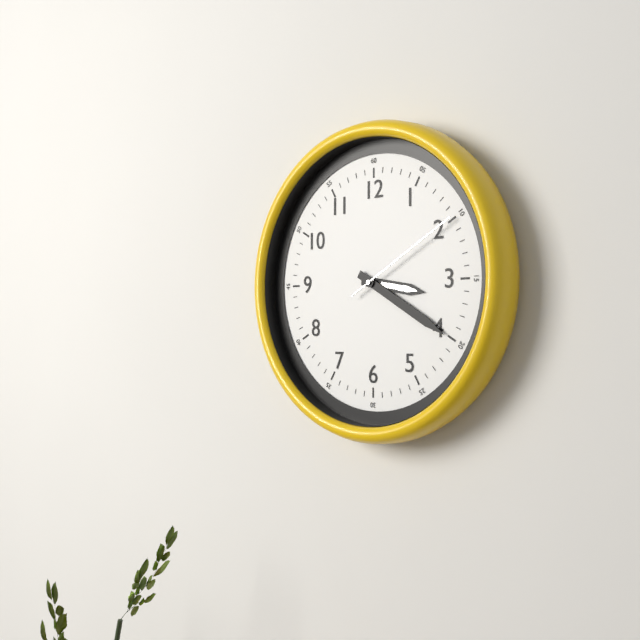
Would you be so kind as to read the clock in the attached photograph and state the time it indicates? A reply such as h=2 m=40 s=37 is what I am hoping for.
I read h=3 m=20 s=10
